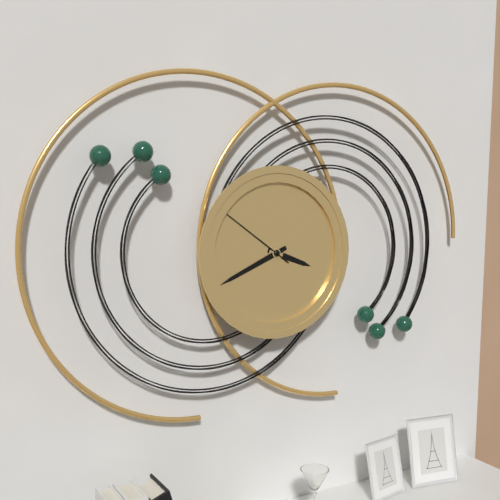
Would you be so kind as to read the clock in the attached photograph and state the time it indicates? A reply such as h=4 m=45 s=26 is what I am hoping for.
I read h=3 m=41 s=51
